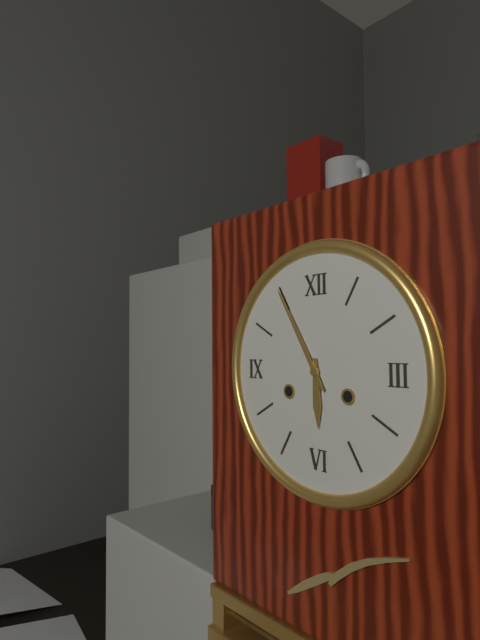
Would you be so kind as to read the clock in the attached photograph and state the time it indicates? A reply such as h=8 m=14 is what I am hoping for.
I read h=5 m=55
